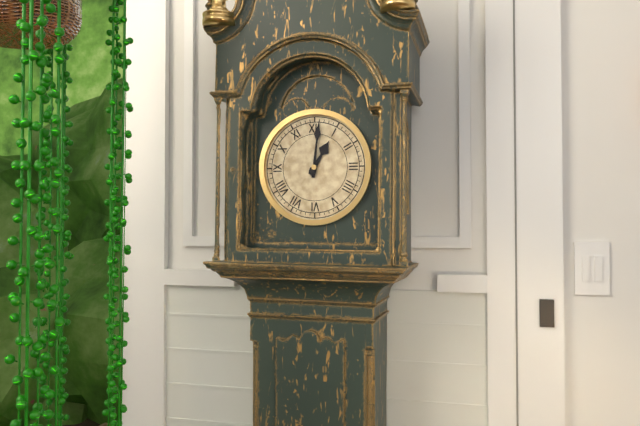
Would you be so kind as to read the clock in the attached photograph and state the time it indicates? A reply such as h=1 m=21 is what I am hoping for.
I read h=1 m=1
